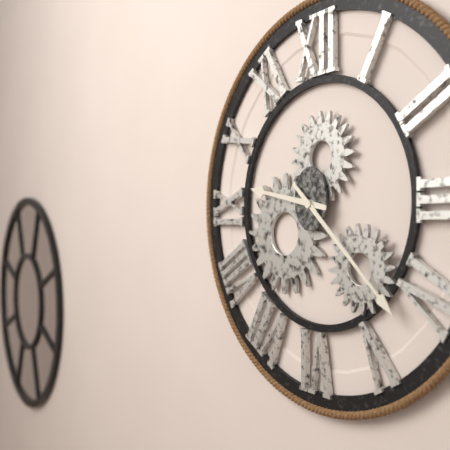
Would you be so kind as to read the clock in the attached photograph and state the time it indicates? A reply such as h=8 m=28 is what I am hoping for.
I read h=9 m=22
